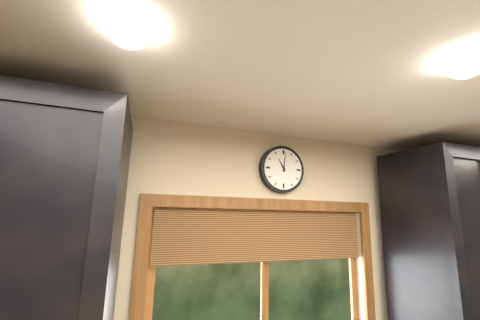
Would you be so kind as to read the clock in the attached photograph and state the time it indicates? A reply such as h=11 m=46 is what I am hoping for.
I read h=11 m=1
